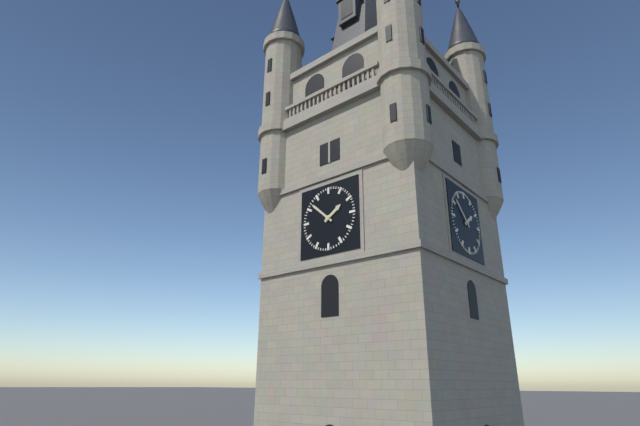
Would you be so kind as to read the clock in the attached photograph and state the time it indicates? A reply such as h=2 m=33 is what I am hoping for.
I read h=1 m=52
